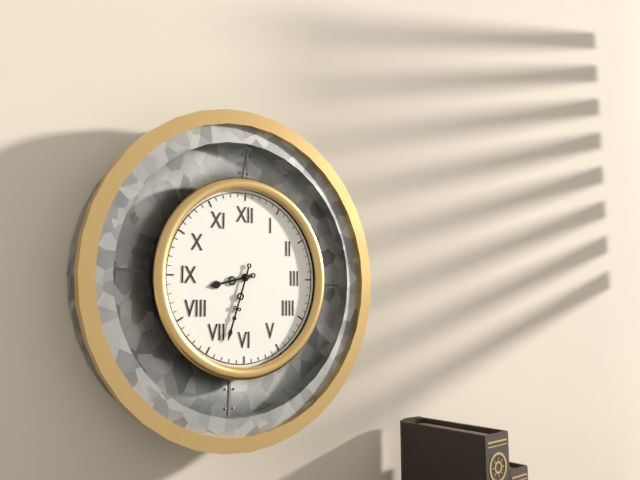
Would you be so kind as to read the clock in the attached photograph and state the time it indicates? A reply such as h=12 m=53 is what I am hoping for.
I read h=8 m=33
